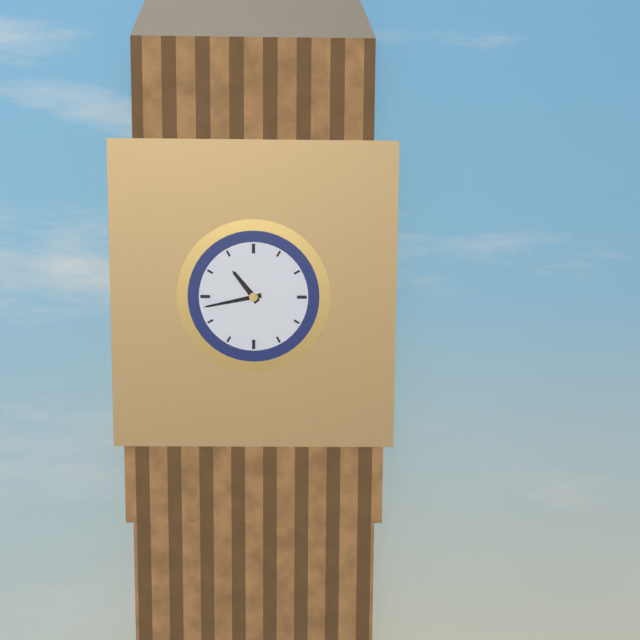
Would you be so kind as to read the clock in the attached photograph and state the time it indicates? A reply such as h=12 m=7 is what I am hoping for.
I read h=10 m=43
